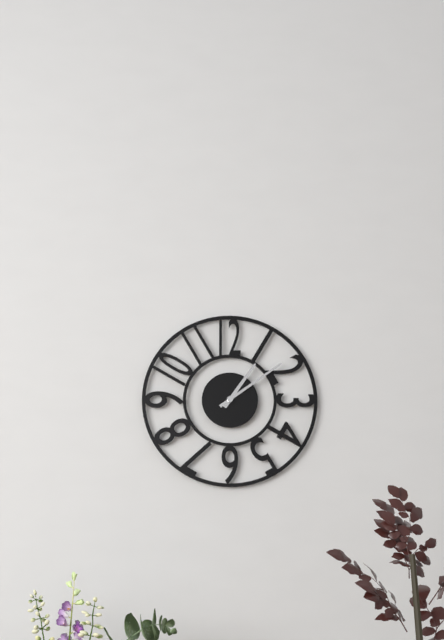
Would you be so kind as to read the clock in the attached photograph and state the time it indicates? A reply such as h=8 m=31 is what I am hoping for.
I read h=1 m=9
